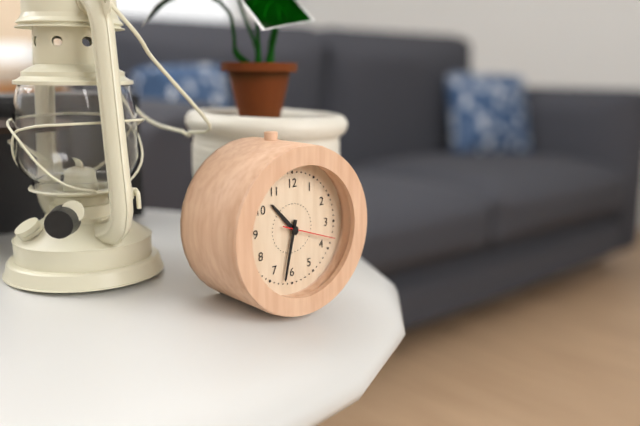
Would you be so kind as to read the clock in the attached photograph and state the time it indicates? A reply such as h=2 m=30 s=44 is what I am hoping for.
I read h=10 m=32 s=18
